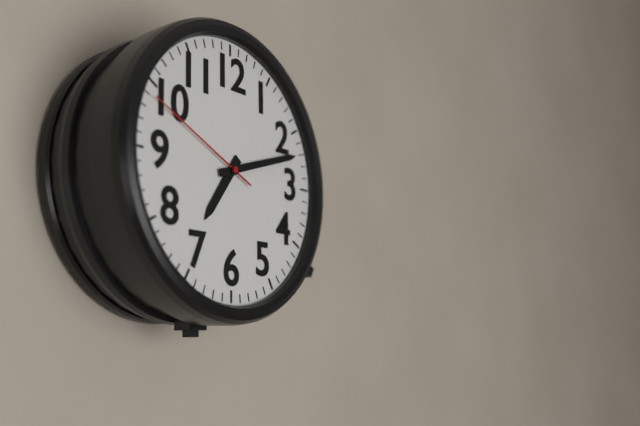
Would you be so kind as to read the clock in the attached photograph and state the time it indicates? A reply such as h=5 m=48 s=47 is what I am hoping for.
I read h=7 m=12 s=49
